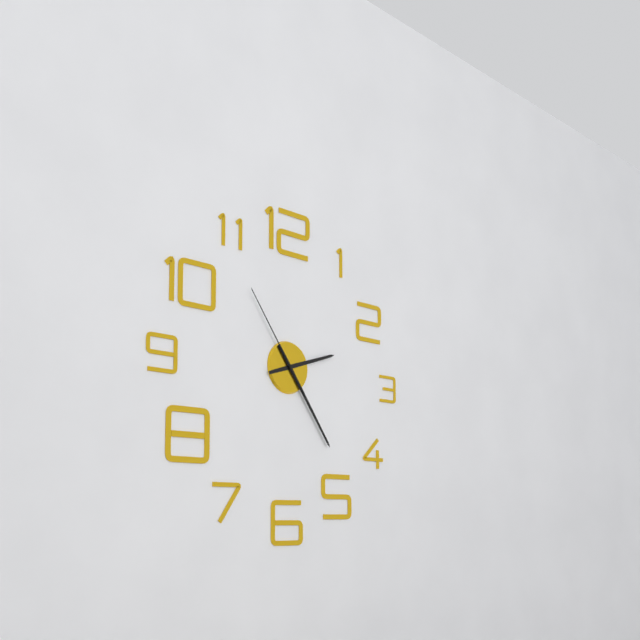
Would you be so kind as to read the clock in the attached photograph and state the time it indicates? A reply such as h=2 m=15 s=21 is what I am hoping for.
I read h=2 m=24 s=54
